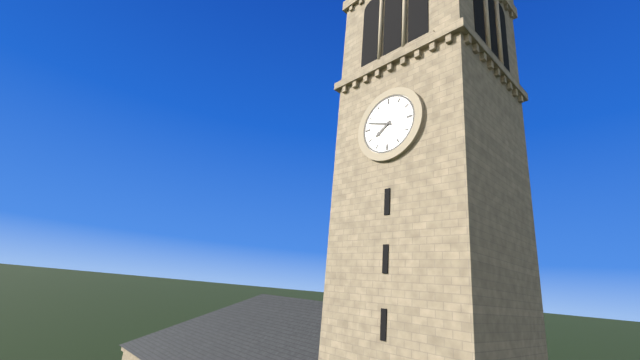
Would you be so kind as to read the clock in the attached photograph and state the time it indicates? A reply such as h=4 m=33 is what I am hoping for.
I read h=7 m=48
